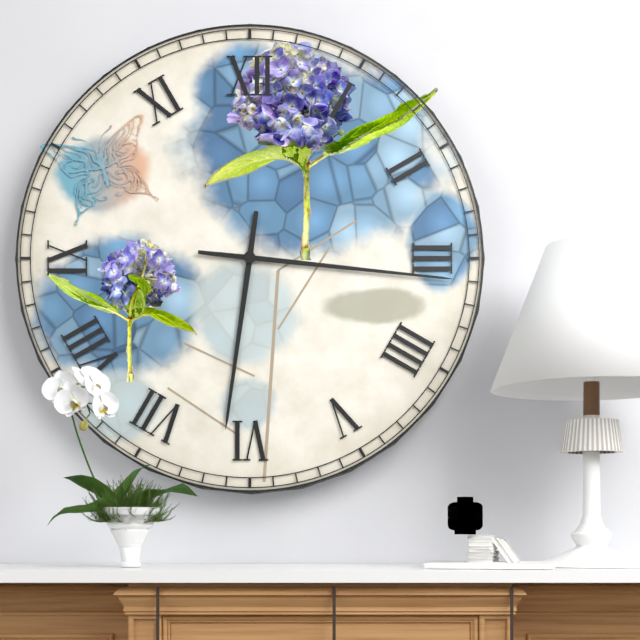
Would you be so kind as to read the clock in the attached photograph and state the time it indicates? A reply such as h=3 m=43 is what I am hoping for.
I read h=6 m=16
